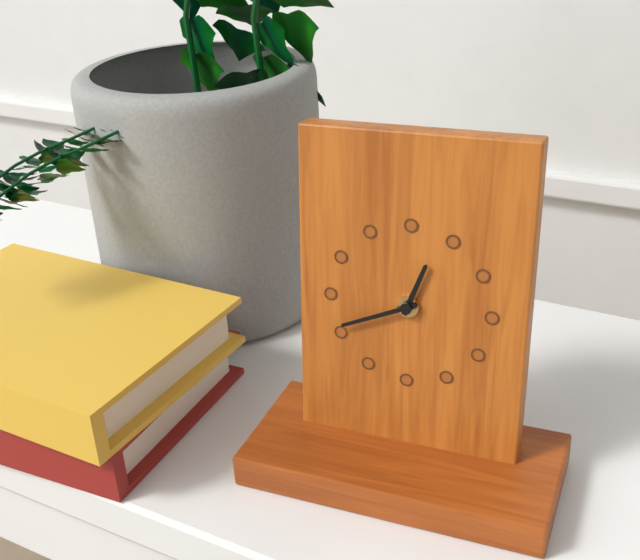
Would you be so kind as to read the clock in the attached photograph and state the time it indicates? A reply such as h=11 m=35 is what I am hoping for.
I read h=12 m=41
